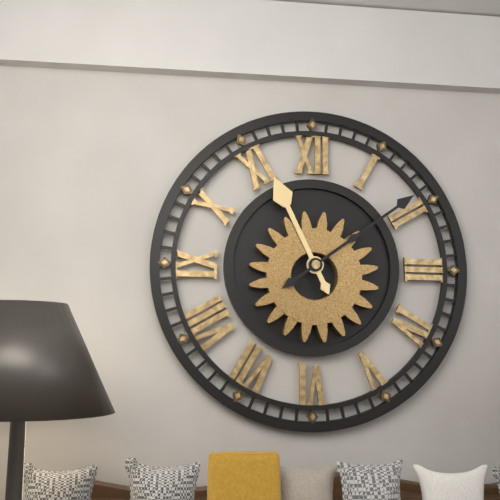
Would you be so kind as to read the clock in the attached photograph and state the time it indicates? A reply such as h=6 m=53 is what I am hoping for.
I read h=11 m=9
